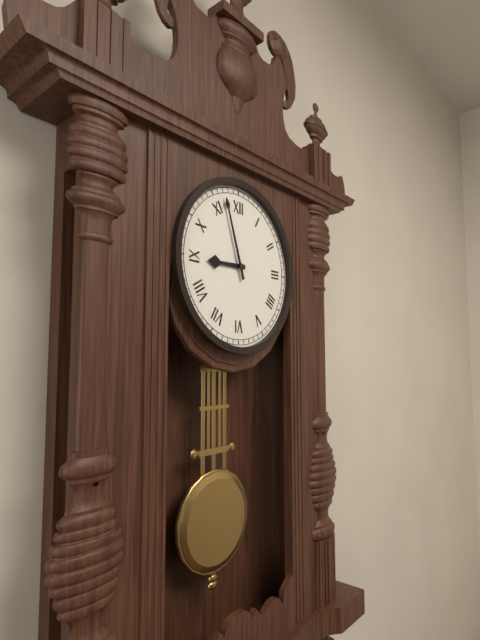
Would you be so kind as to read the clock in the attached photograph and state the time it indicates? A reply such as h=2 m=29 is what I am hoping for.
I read h=8 m=57
